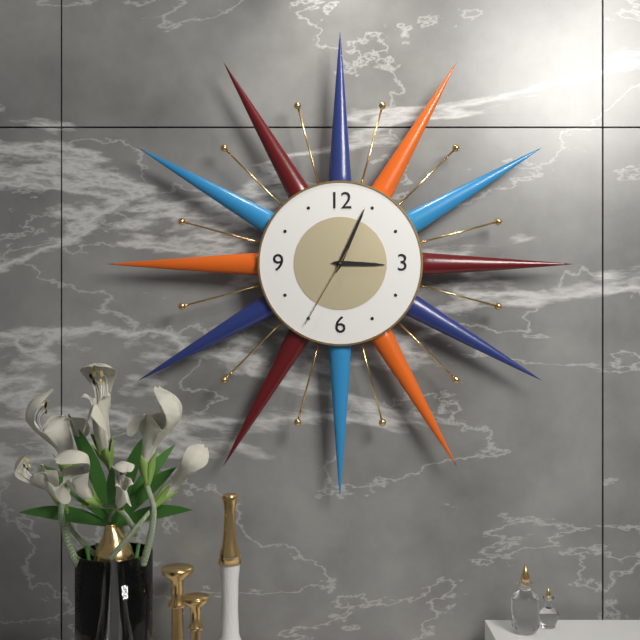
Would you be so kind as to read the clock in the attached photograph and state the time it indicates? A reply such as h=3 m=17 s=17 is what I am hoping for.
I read h=3 m=4 s=35
